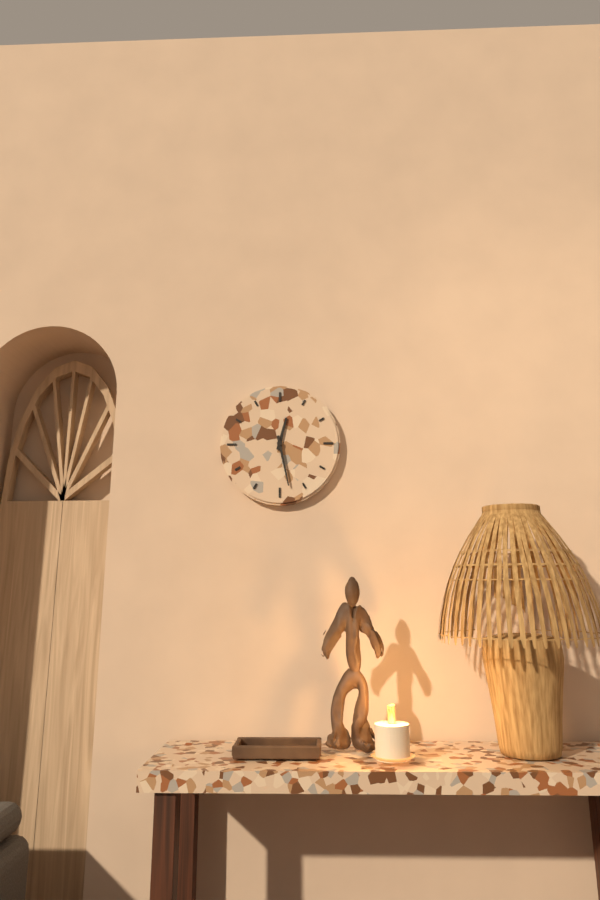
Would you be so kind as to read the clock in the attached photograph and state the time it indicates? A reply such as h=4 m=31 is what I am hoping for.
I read h=12 m=28
